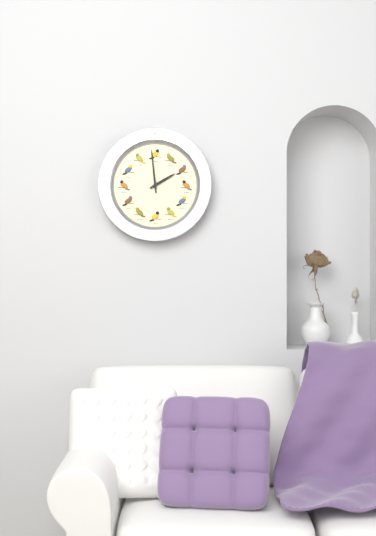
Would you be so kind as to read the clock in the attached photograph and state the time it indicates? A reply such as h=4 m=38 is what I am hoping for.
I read h=1 m=59
